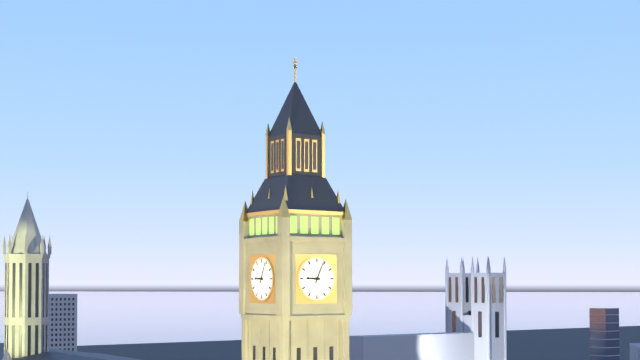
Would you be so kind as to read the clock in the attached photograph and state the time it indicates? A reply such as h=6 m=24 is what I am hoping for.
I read h=9 m=4
